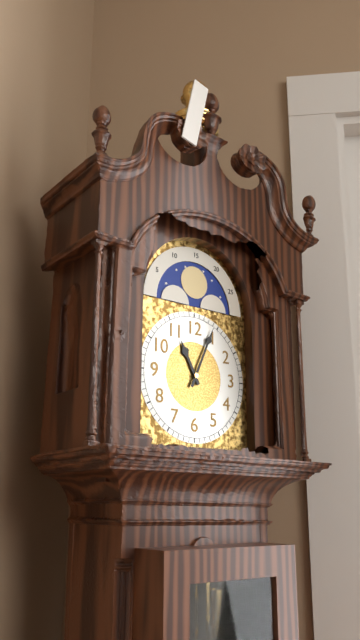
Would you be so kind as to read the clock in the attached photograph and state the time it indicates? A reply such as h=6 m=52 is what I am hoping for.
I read h=11 m=4
